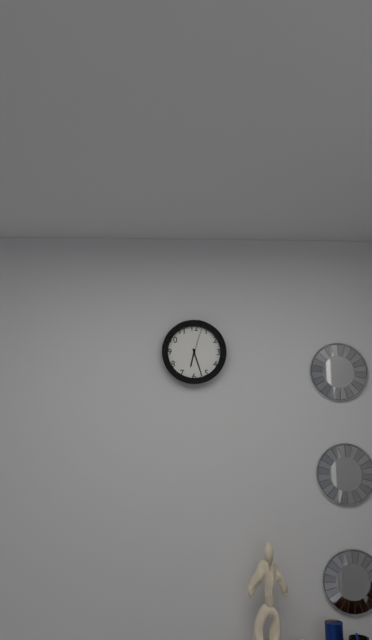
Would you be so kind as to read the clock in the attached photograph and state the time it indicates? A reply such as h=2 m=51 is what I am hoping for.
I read h=6 m=27
